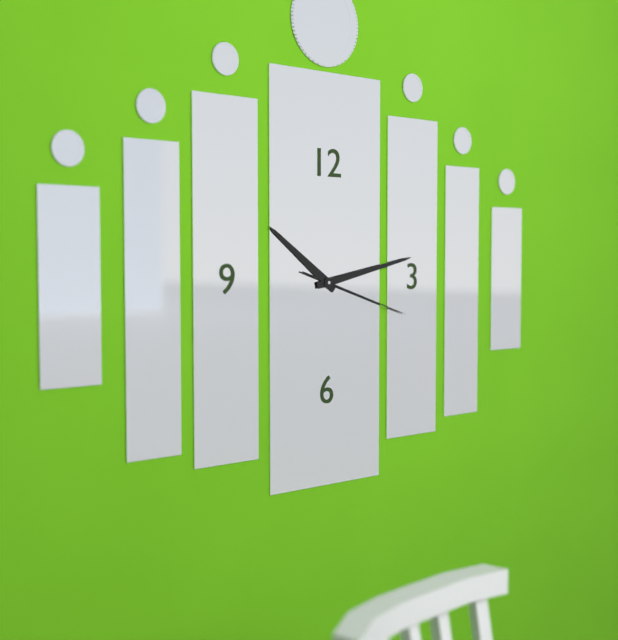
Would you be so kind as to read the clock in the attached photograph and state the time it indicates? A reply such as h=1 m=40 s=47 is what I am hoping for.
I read h=10 m=13 s=18
